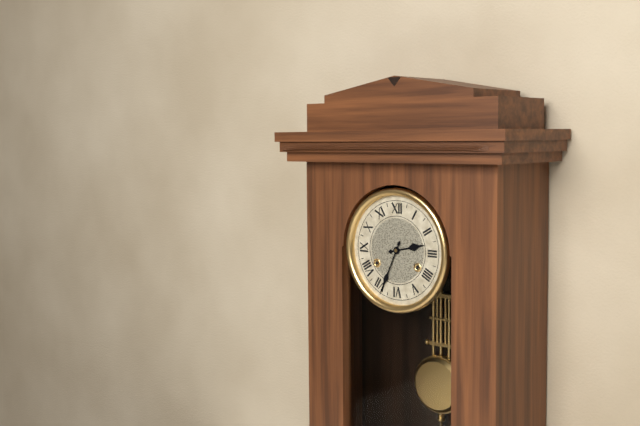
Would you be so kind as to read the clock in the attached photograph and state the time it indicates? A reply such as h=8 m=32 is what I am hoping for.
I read h=2 m=34
